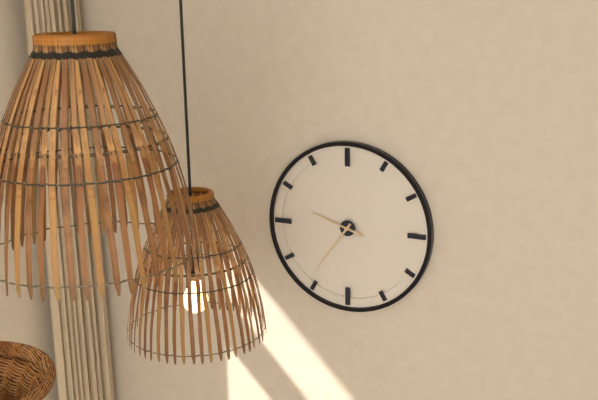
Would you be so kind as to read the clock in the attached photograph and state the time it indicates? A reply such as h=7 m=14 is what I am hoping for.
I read h=9 m=36
